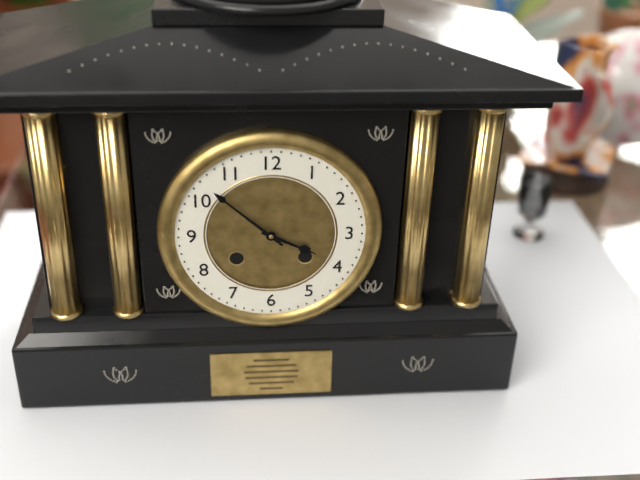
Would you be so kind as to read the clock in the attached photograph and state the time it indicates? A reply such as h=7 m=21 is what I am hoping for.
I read h=3 m=52
